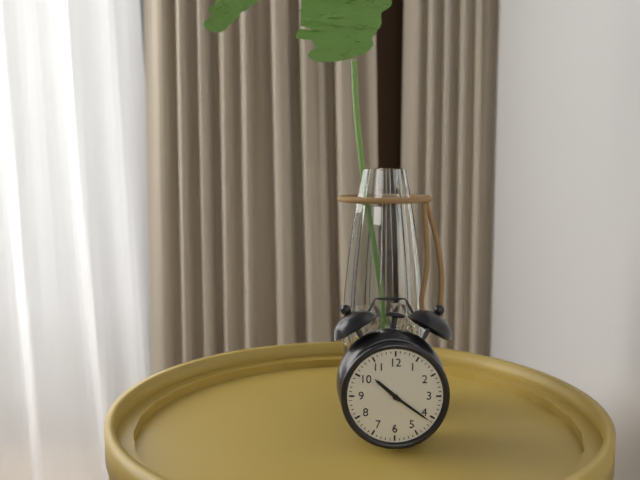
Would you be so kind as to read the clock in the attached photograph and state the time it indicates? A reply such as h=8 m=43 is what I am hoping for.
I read h=10 m=21
